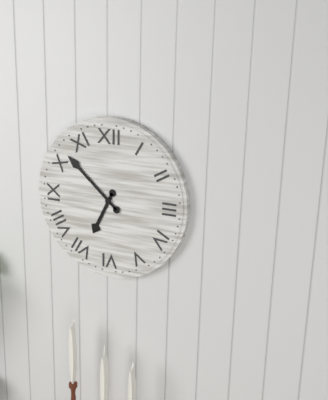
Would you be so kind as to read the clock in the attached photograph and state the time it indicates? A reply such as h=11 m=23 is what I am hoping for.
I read h=6 m=52
